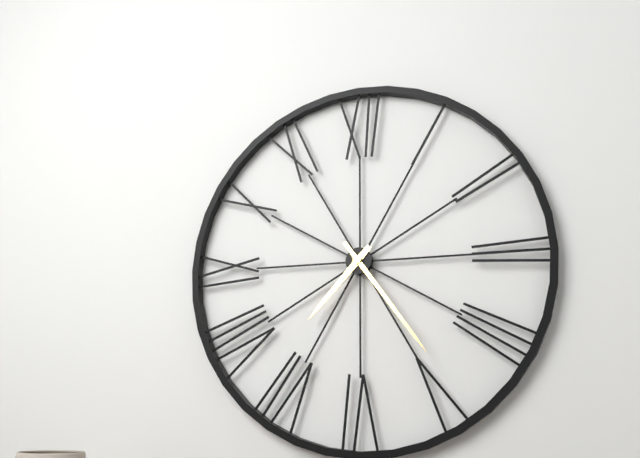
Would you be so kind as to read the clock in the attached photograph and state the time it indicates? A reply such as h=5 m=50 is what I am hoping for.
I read h=7 m=24
